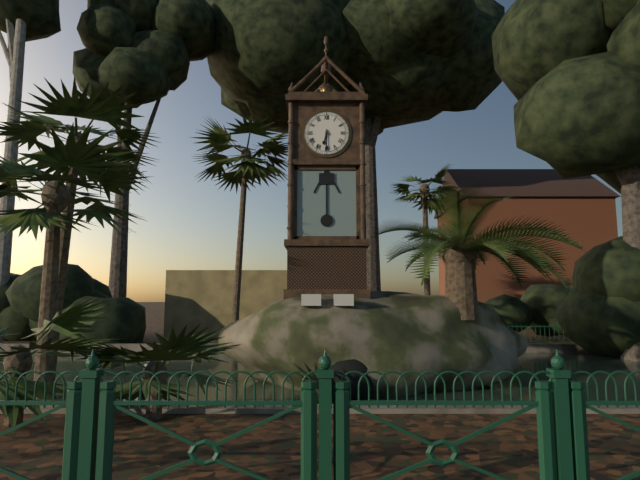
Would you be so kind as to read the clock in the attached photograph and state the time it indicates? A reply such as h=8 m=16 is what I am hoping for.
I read h=6 m=30
